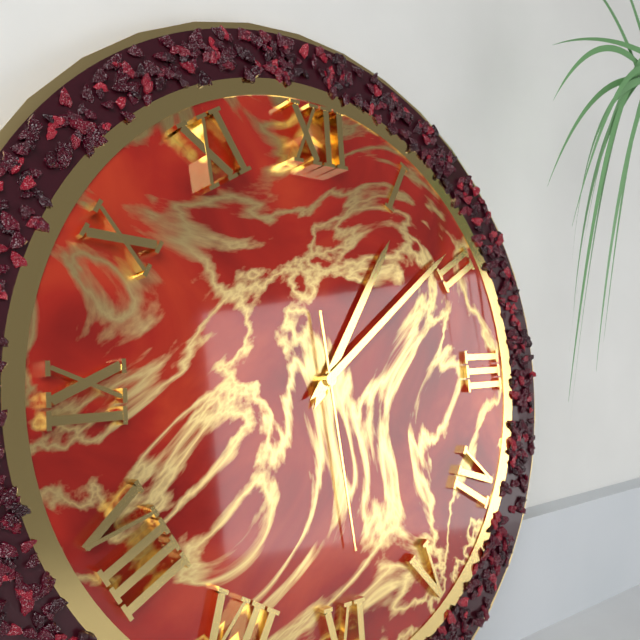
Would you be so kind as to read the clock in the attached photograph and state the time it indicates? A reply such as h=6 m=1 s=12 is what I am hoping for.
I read h=1 m=9 s=29
